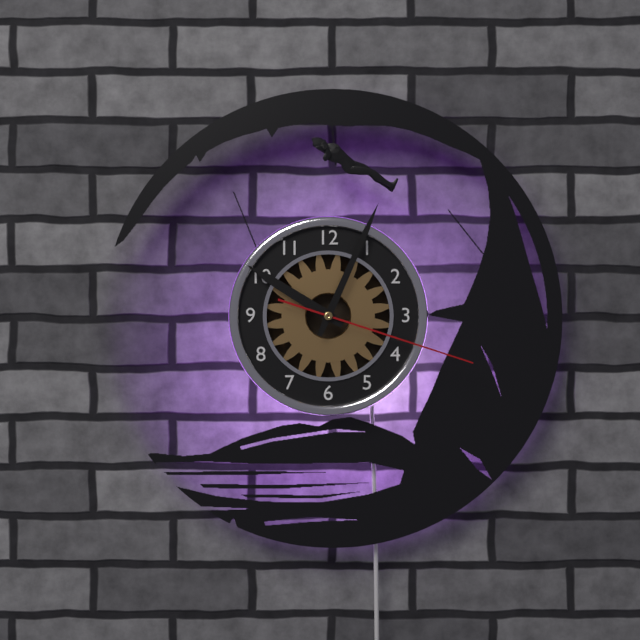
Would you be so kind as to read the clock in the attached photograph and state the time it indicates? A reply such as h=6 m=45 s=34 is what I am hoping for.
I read h=10 m=4 s=18
